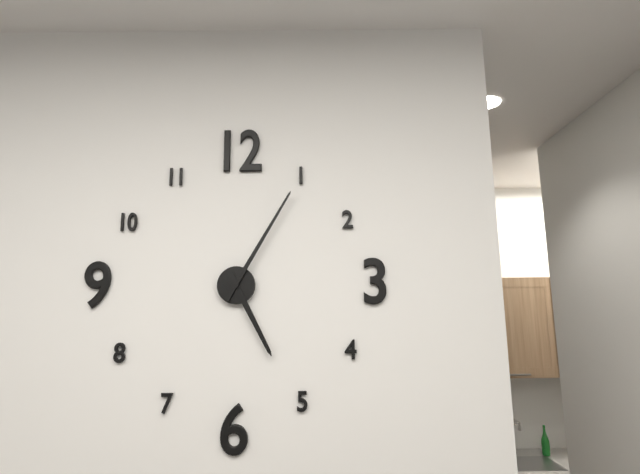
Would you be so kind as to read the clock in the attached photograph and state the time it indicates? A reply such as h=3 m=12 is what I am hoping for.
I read h=5 m=5
